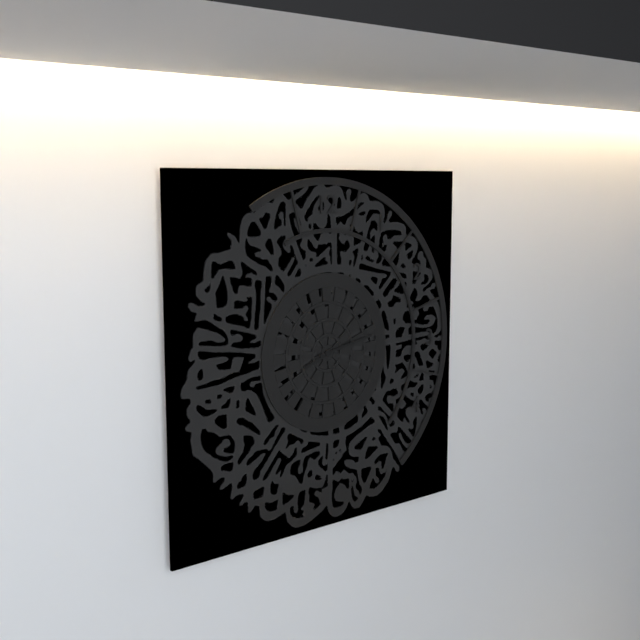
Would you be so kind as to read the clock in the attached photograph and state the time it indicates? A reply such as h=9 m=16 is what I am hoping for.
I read h=8 m=13
